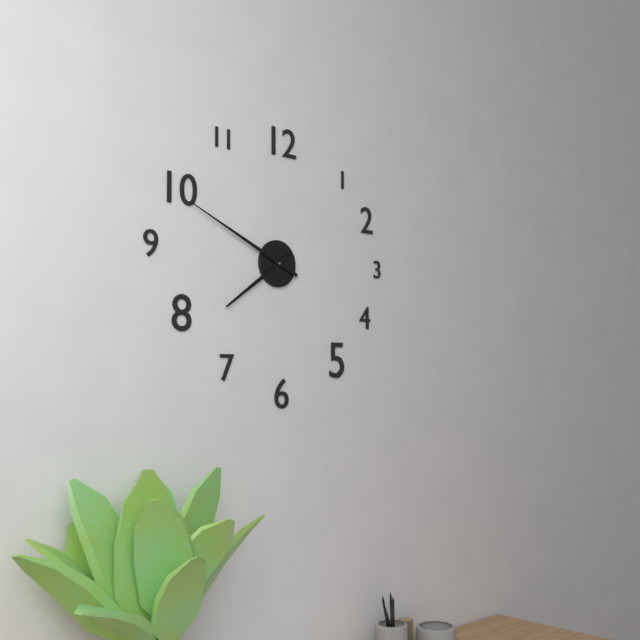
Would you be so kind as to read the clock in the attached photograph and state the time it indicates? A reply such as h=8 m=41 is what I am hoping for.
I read h=7 m=49
